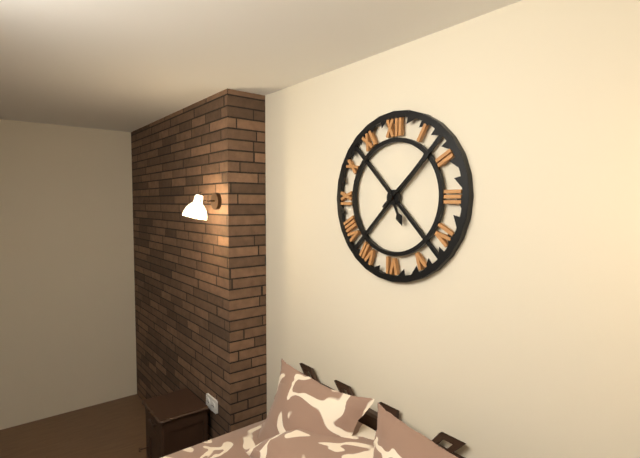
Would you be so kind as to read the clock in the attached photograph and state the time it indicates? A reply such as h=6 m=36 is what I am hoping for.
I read h=5 m=8
